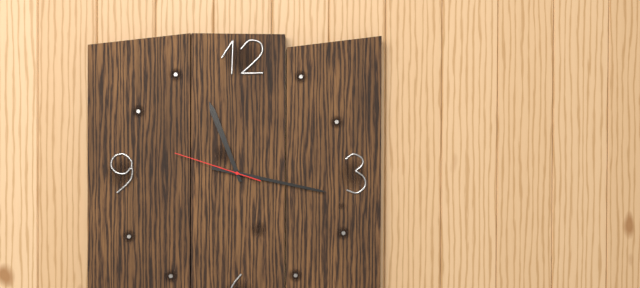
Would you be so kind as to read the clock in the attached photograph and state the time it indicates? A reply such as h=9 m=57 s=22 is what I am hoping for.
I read h=11 m=17 s=48
